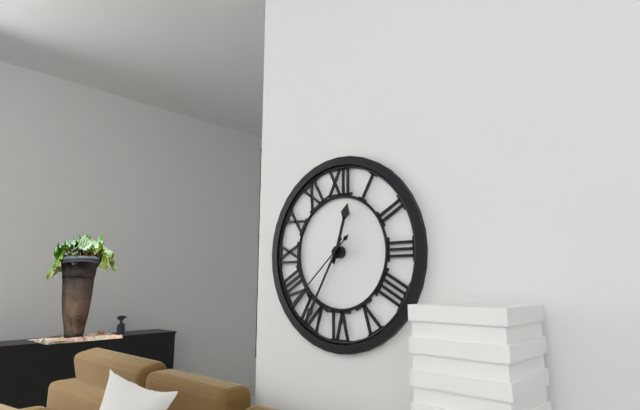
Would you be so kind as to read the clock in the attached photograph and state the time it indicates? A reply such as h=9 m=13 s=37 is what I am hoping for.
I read h=12 m=35 s=38
